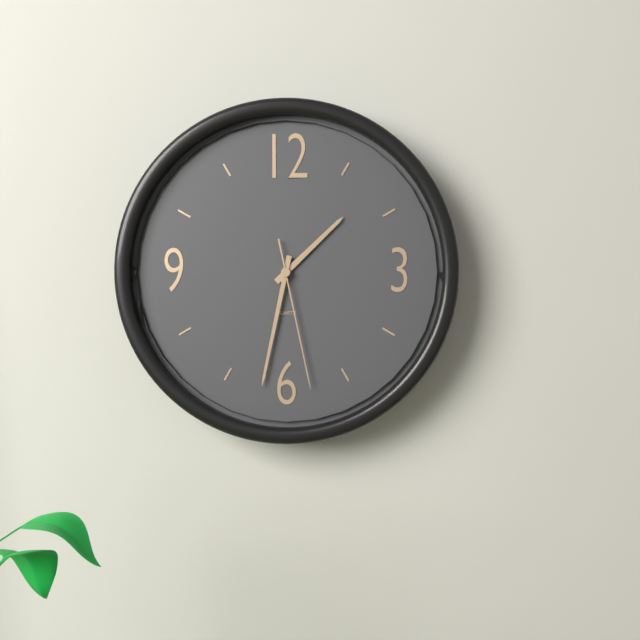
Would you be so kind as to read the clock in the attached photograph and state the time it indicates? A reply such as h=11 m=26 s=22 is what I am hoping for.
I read h=1 m=32 s=28
